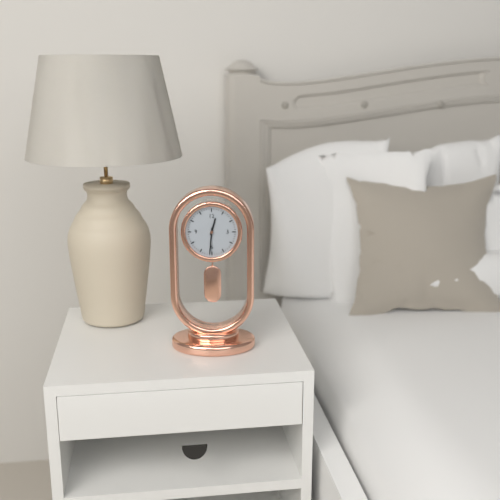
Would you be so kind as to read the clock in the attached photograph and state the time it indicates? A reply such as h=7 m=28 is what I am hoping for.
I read h=12 m=31
